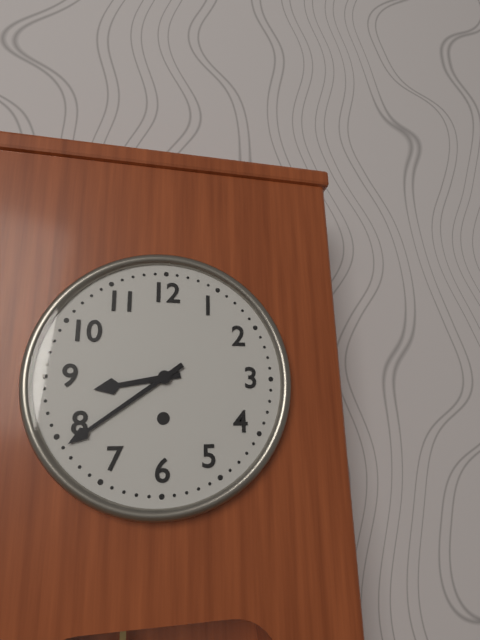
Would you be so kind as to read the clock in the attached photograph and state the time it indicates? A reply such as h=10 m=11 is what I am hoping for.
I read h=8 m=39
